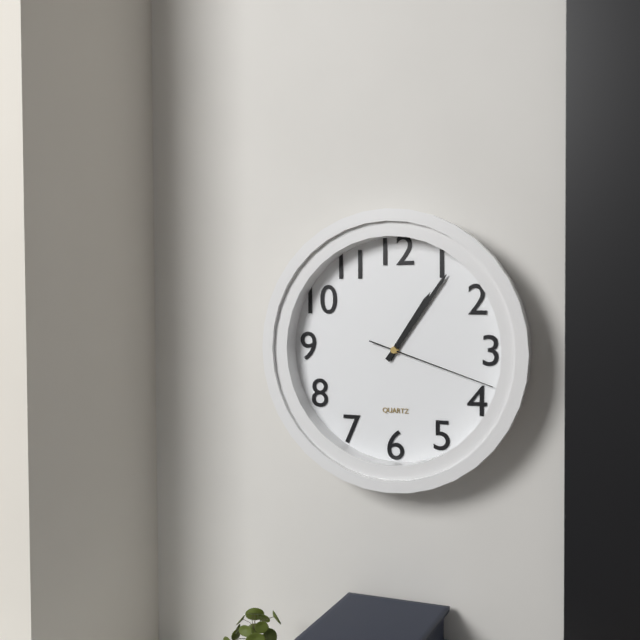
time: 1:06:18
